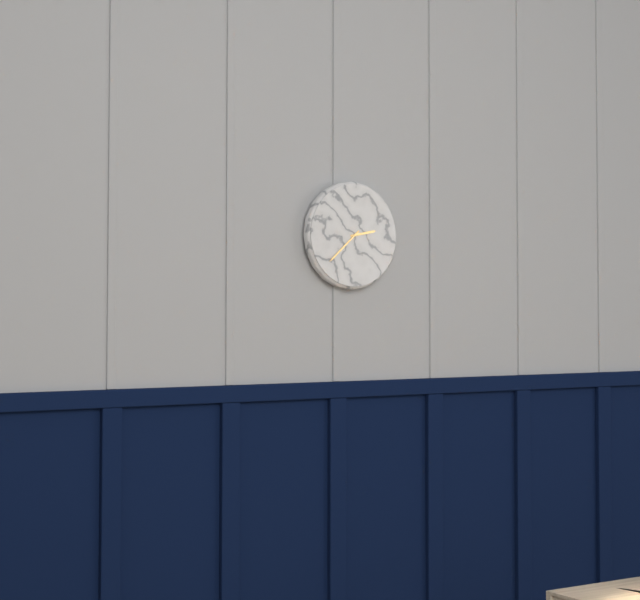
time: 2:38
